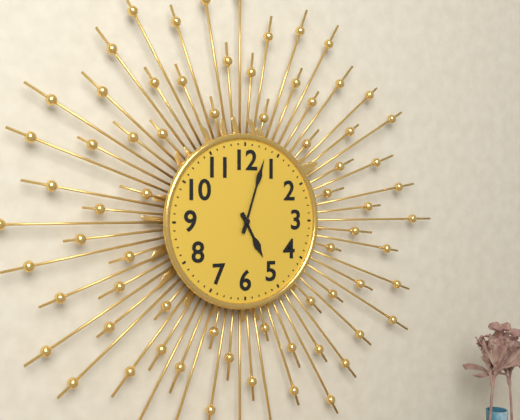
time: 5:03
